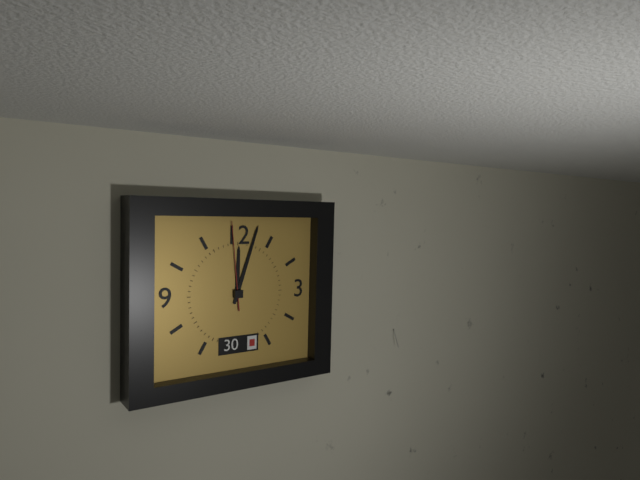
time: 12:03:59
